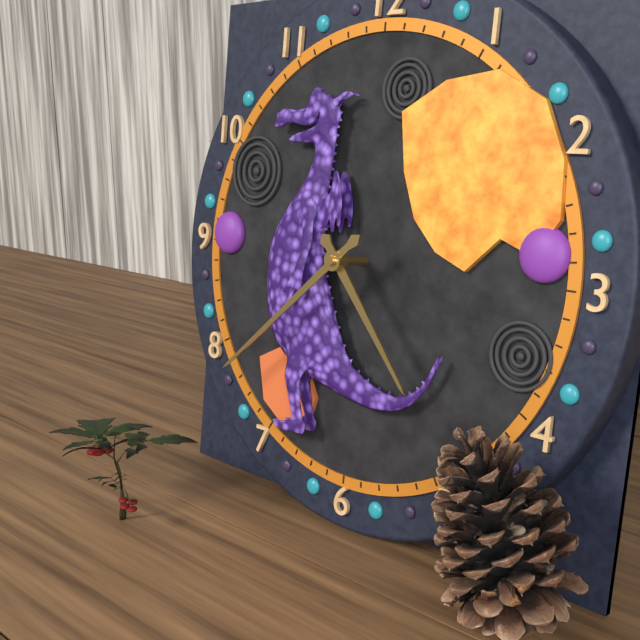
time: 4:38
